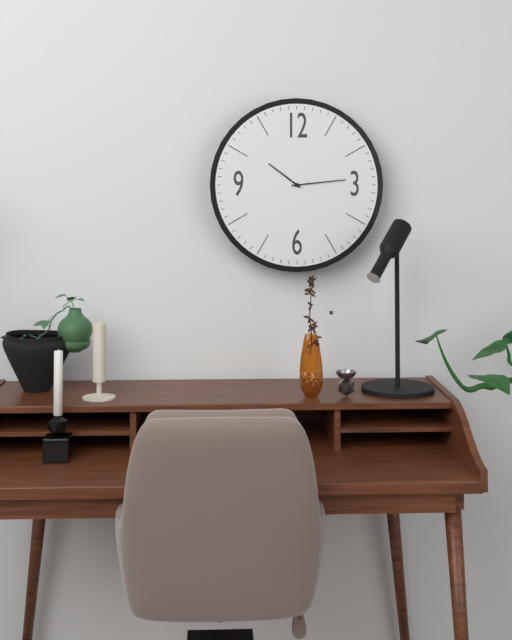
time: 10:14
